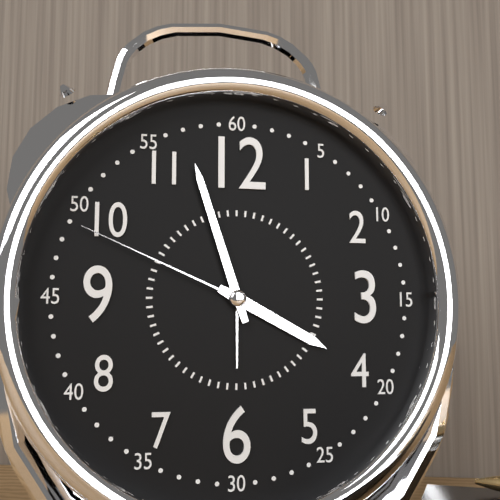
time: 3:57:49
